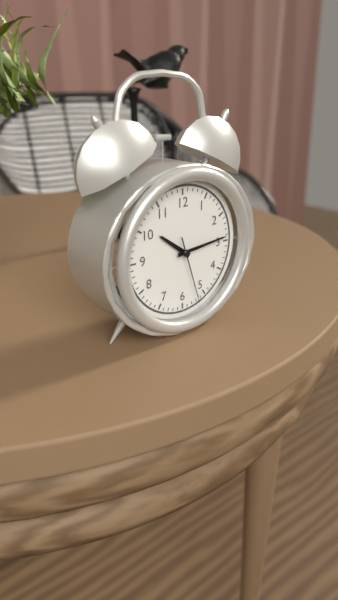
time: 10:14:27
